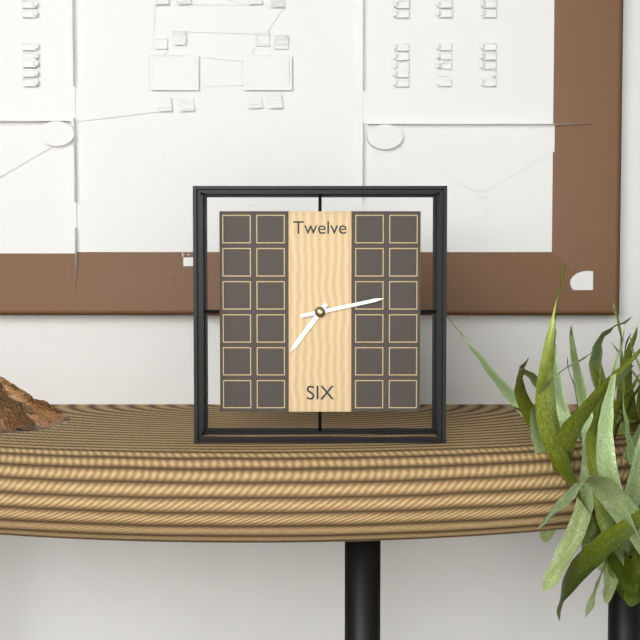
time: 7:13
